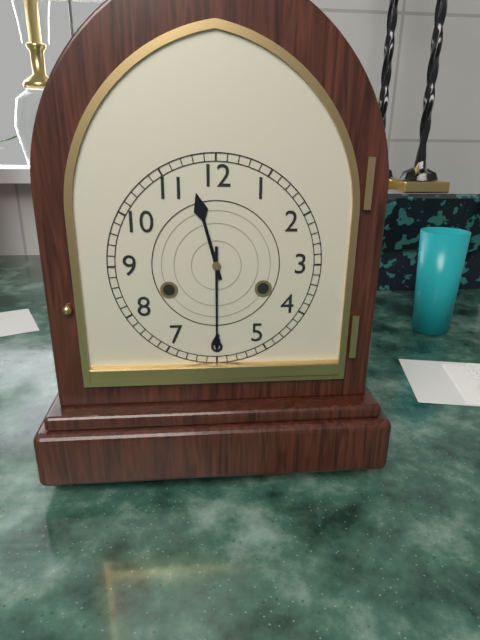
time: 11:30
